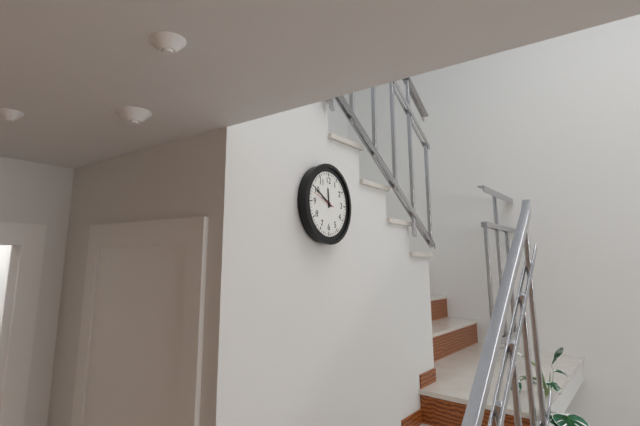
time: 11:50
